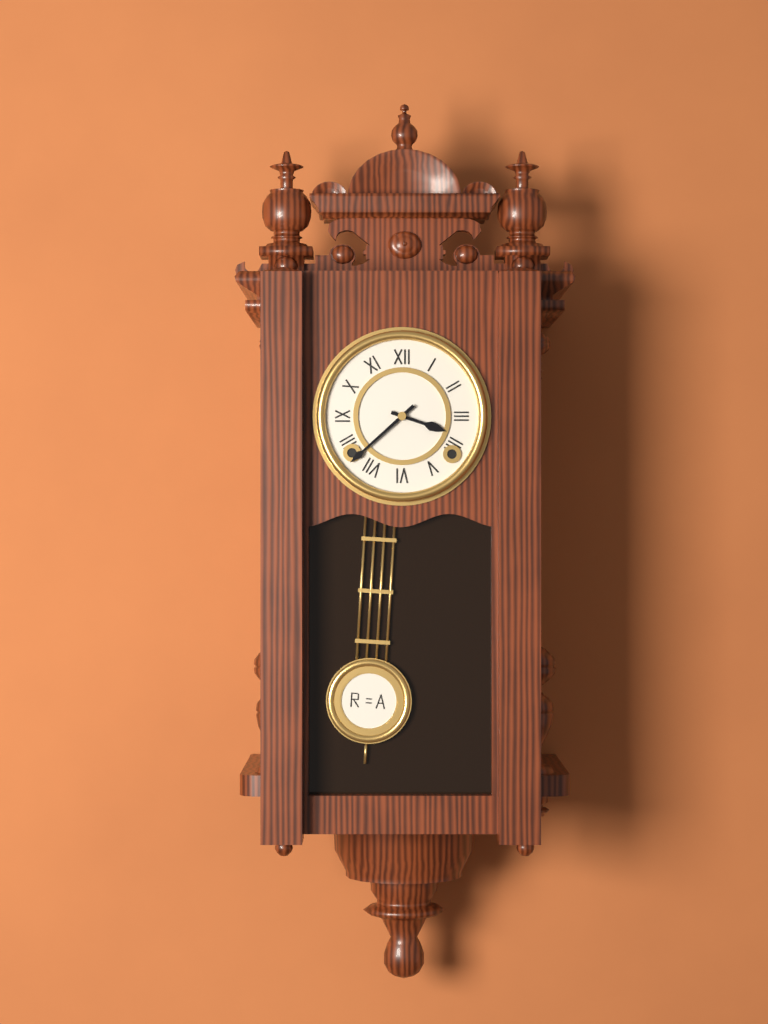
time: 3:38
